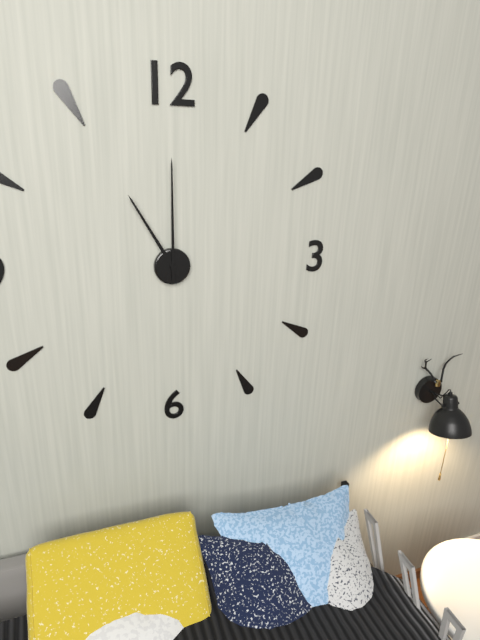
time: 11:00
